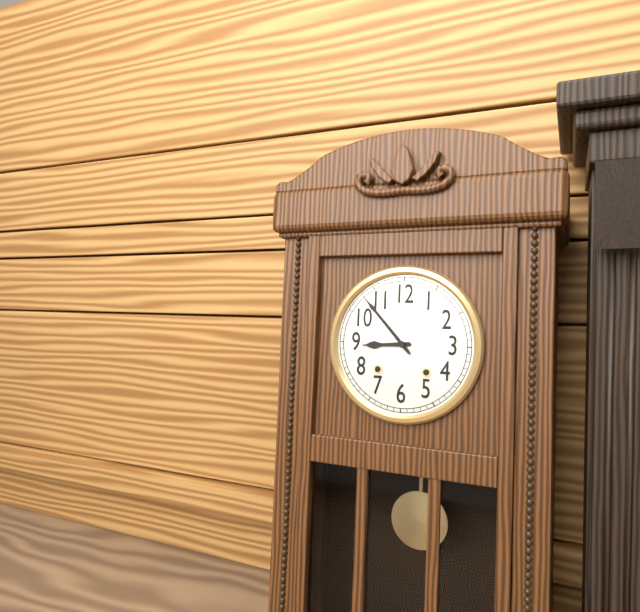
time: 8:53
